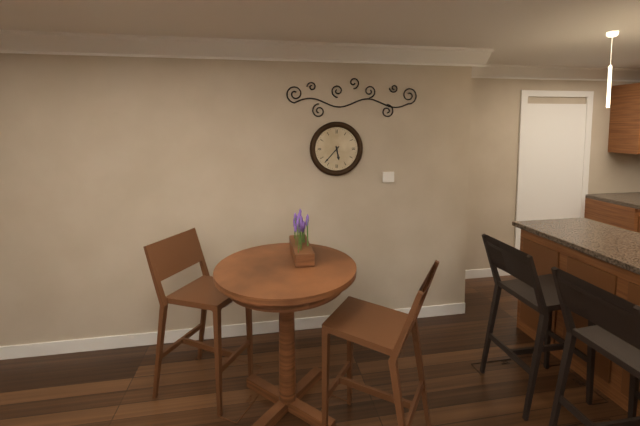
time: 5:37
